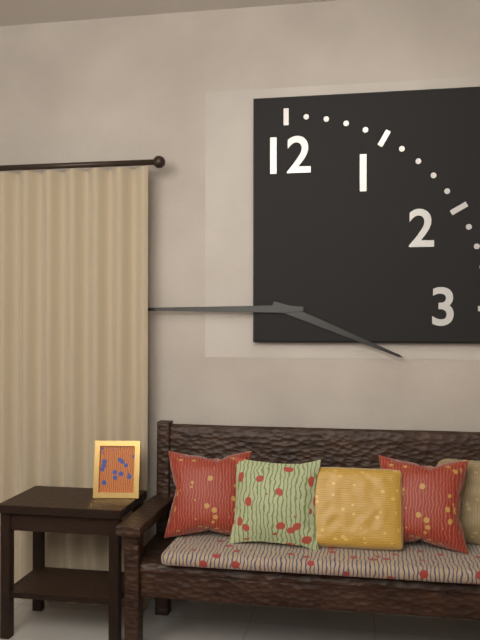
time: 3:45
